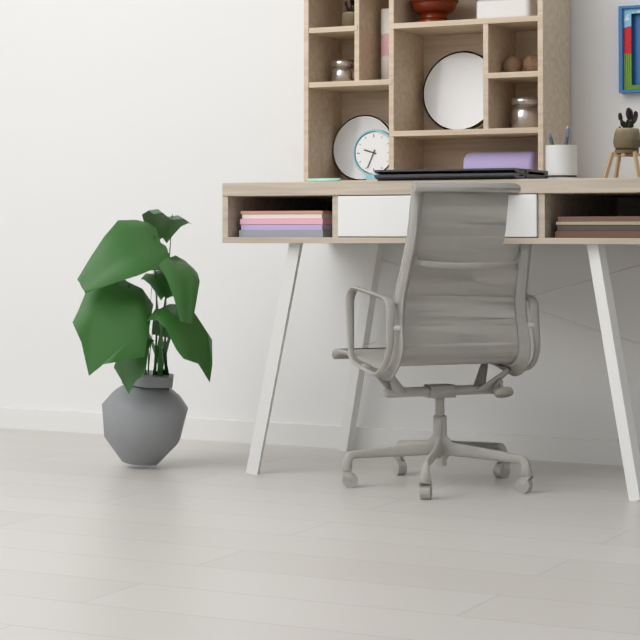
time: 9:34
